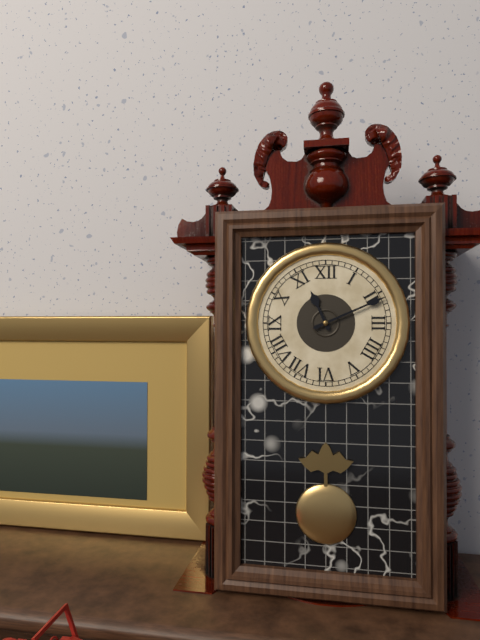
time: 11:11
